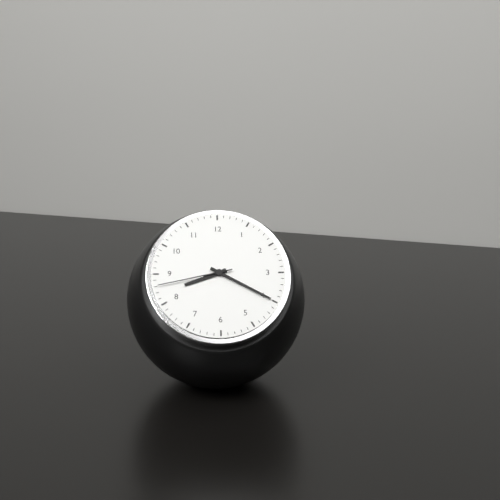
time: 8:20:43
